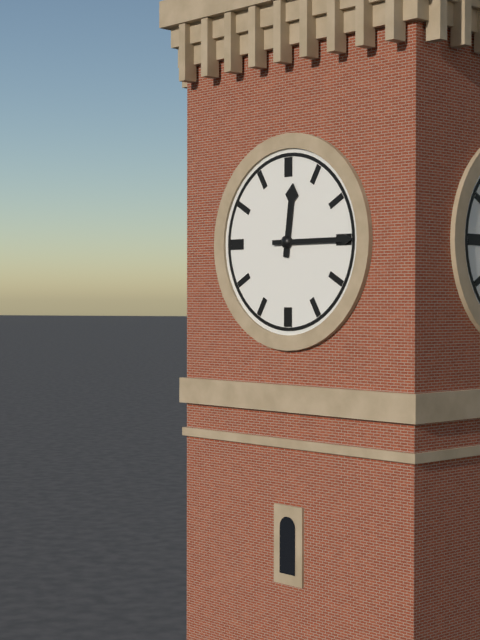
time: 12:15
